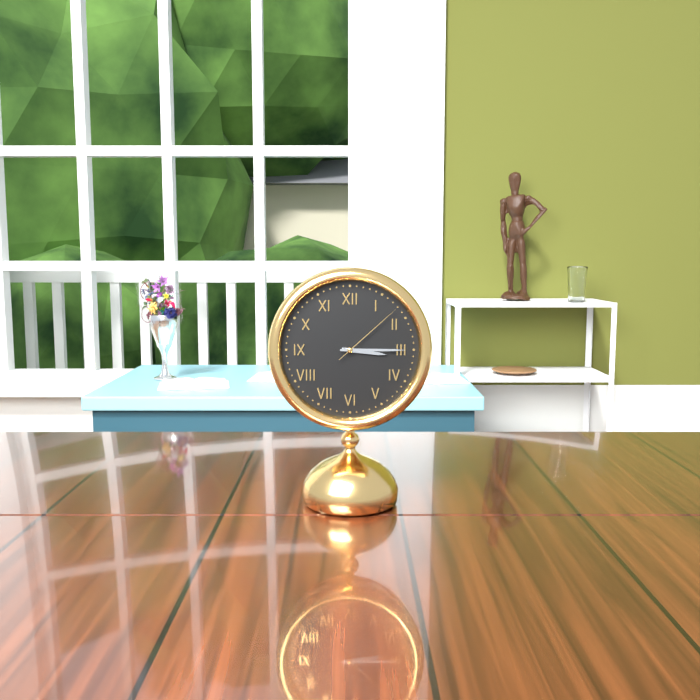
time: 3:15:08
